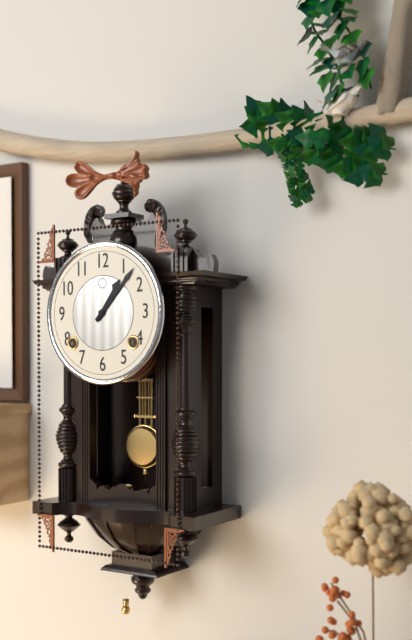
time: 1:07
